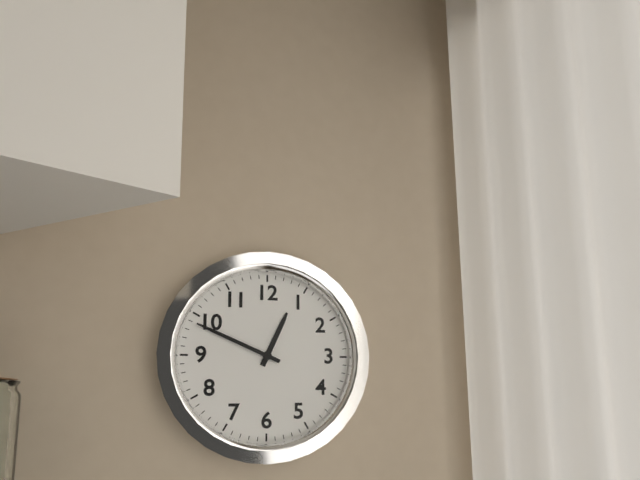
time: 12:49
